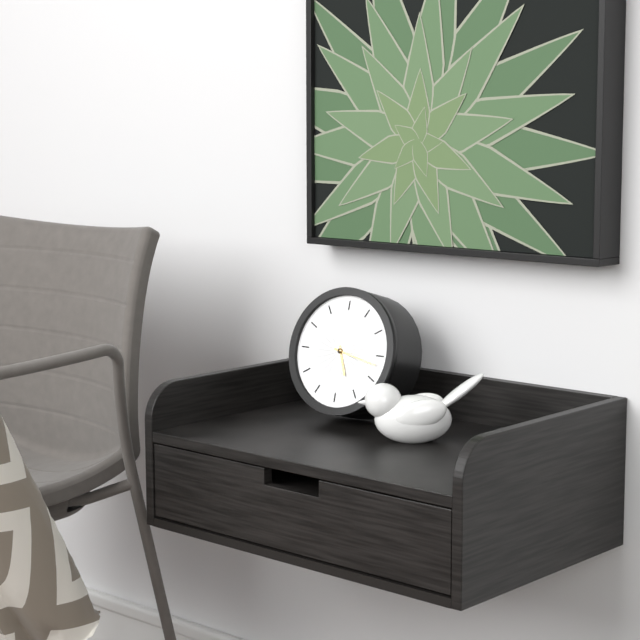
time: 5:17
